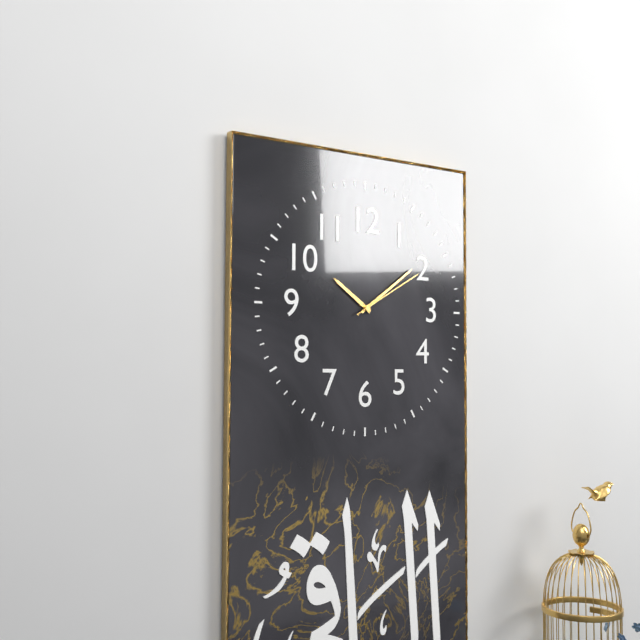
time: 10:09:10
